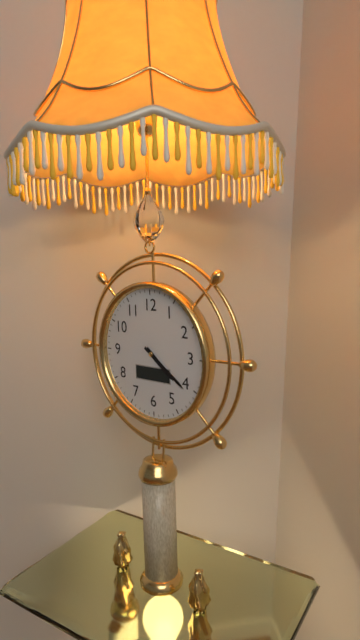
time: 4:21
